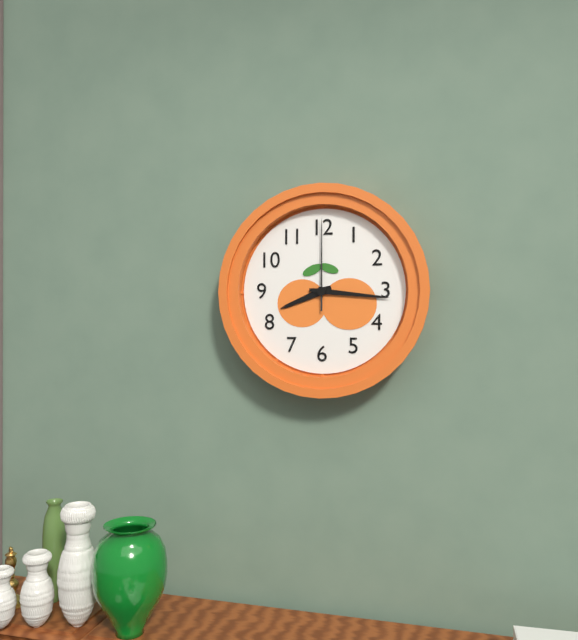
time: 8:16:00
